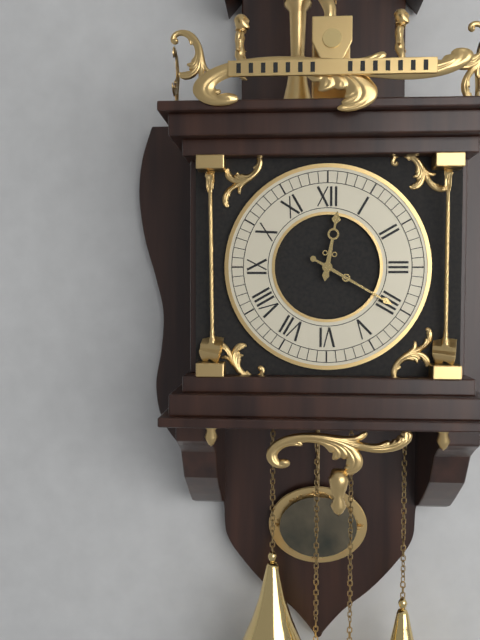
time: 12:20
